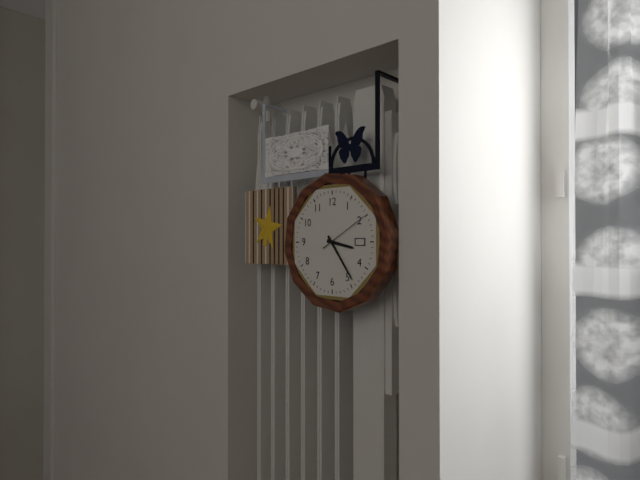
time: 3:24
